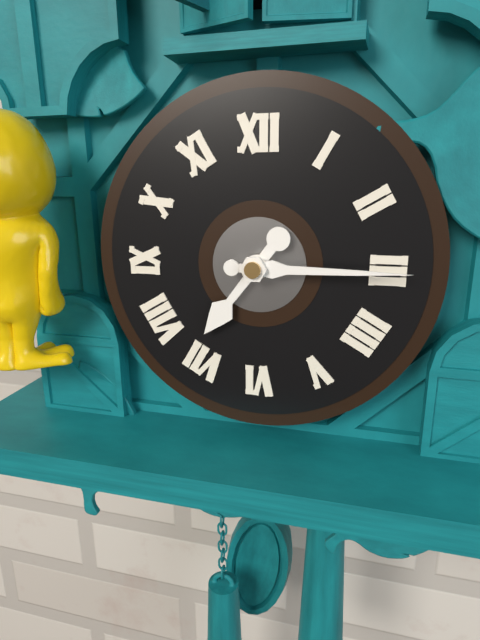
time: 7:15
